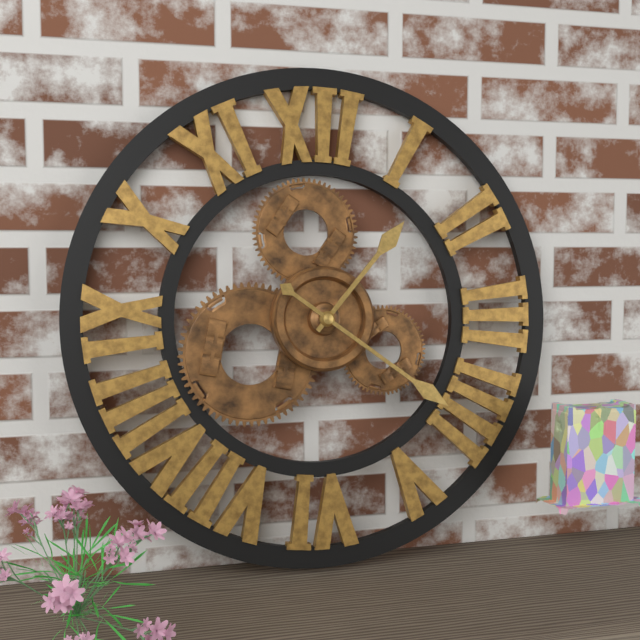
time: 1:21
